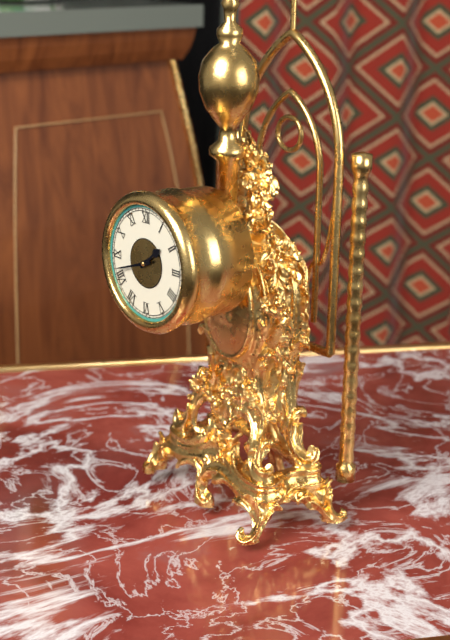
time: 1:42
